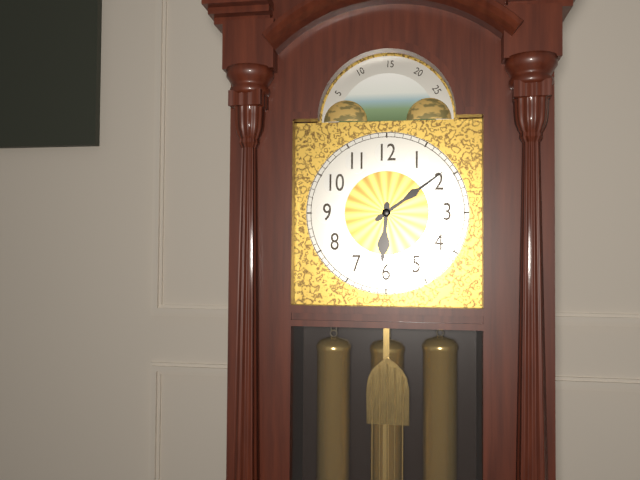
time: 6:09
